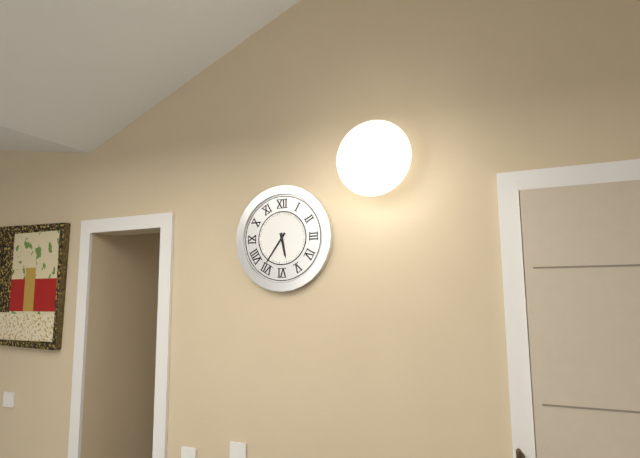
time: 5:36
